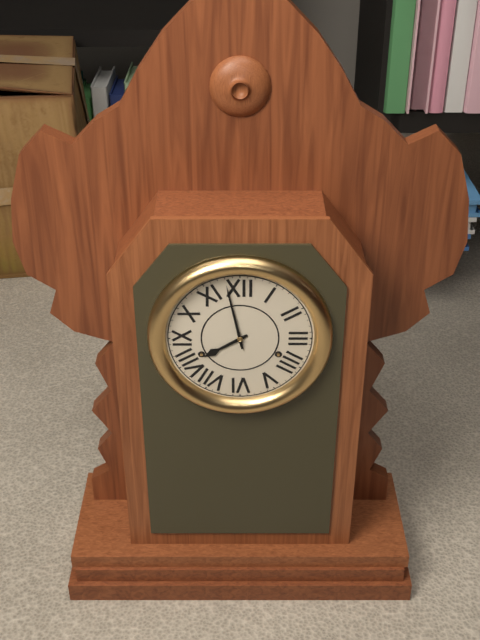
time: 7:58
